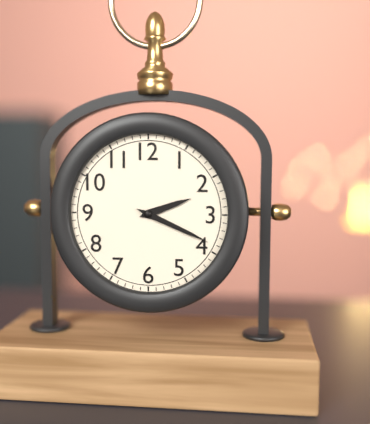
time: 2:19
